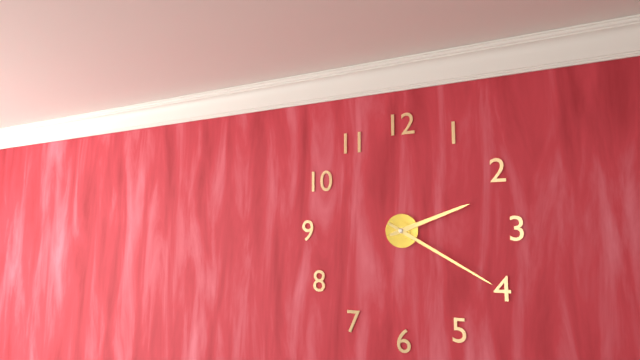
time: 2:20
